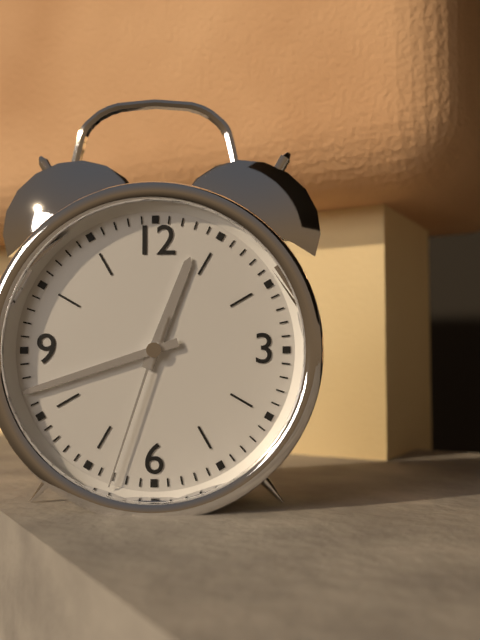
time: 12:42:33
